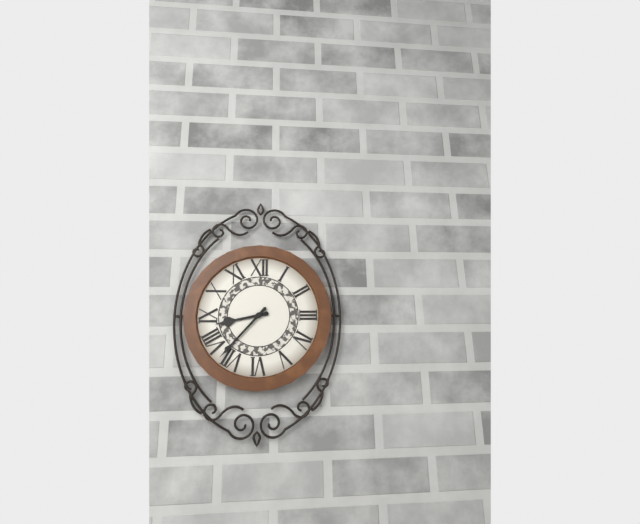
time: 8:37
